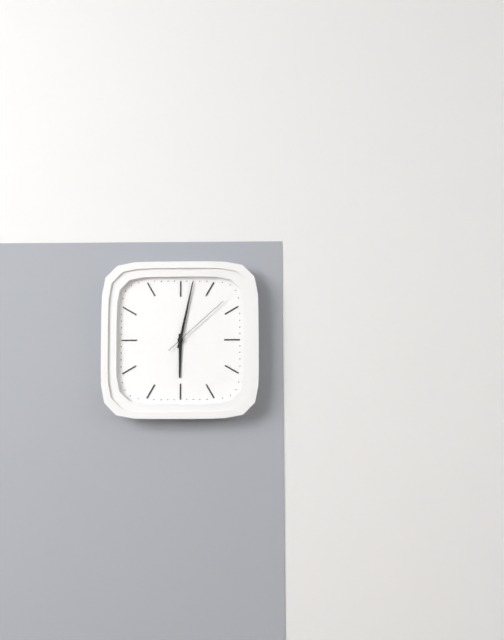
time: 6:02:08
